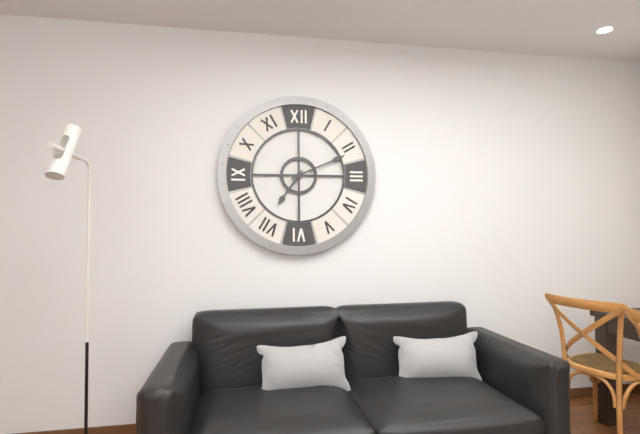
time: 7:11
